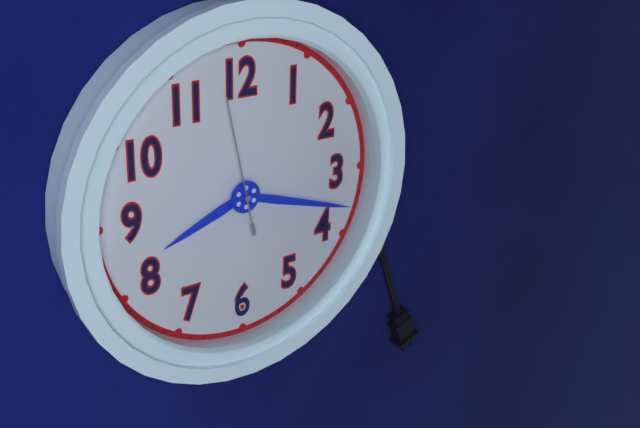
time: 8:18:58
